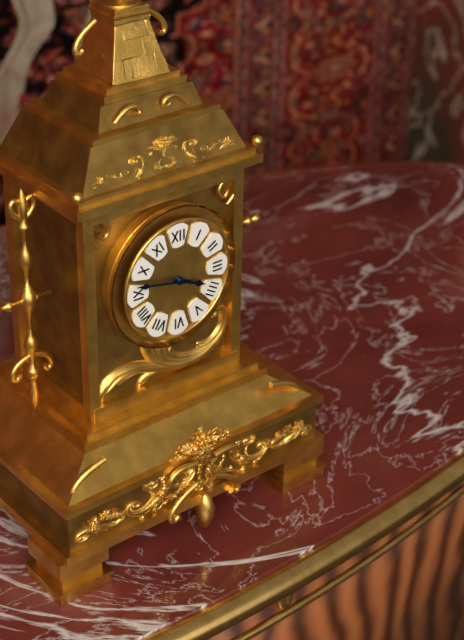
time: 3:47
